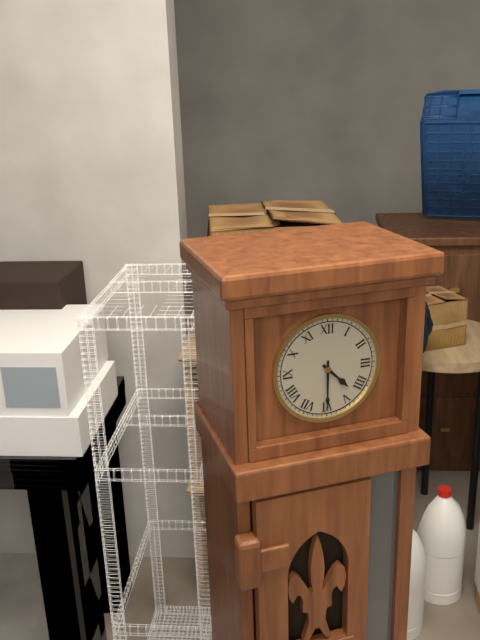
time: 4:30
